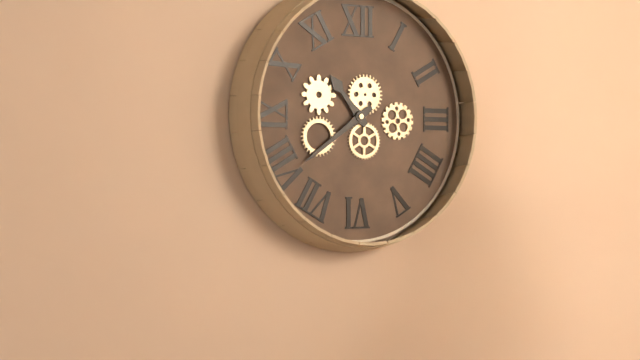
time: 10:39
